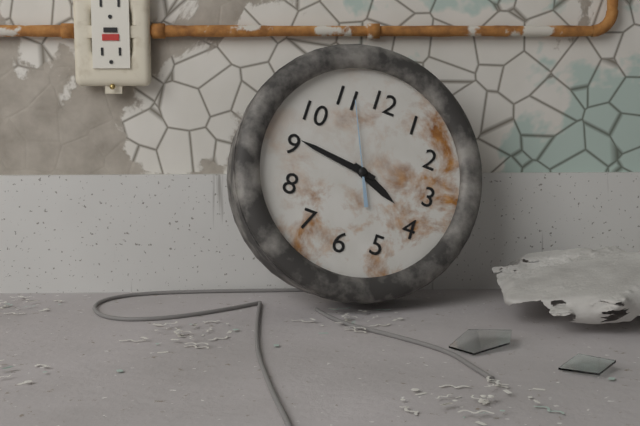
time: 3:46:56
